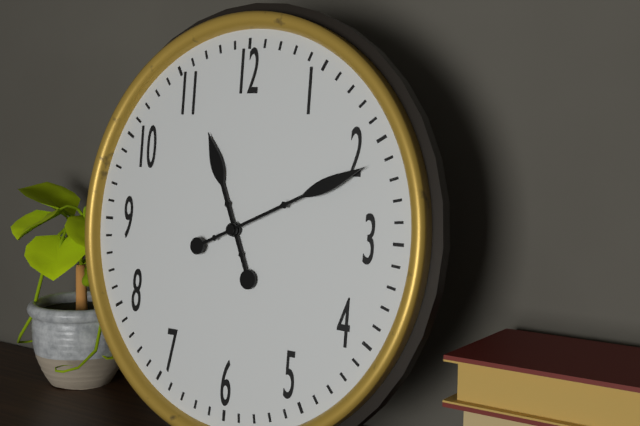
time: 11:11
